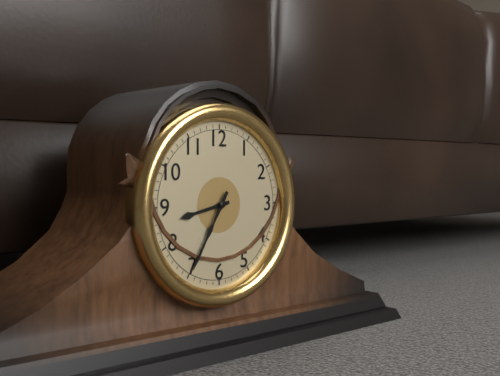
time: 8:35
